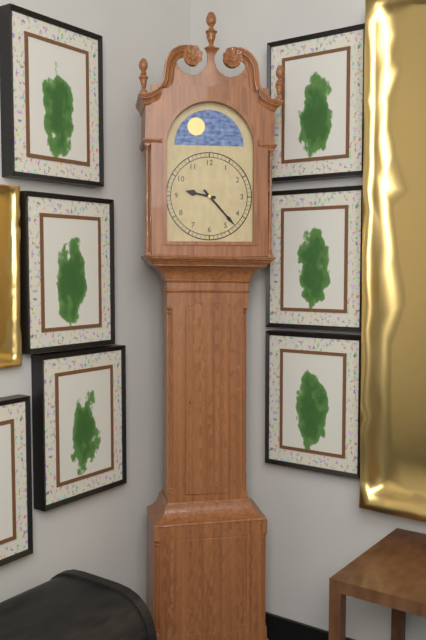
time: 9:23
